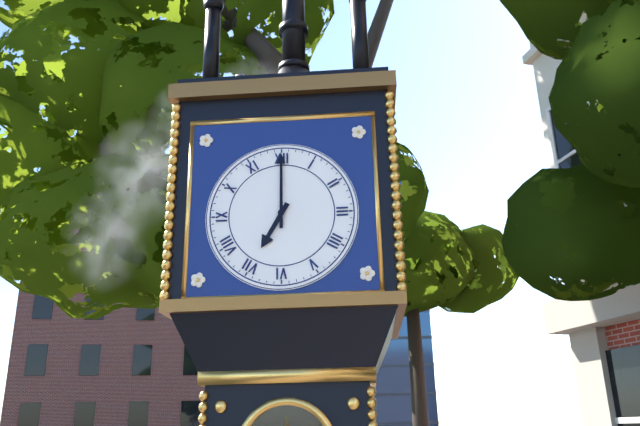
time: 7:00
